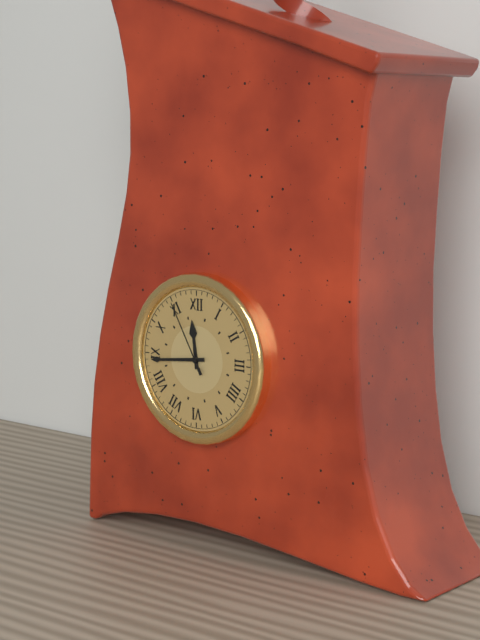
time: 11:44:55
